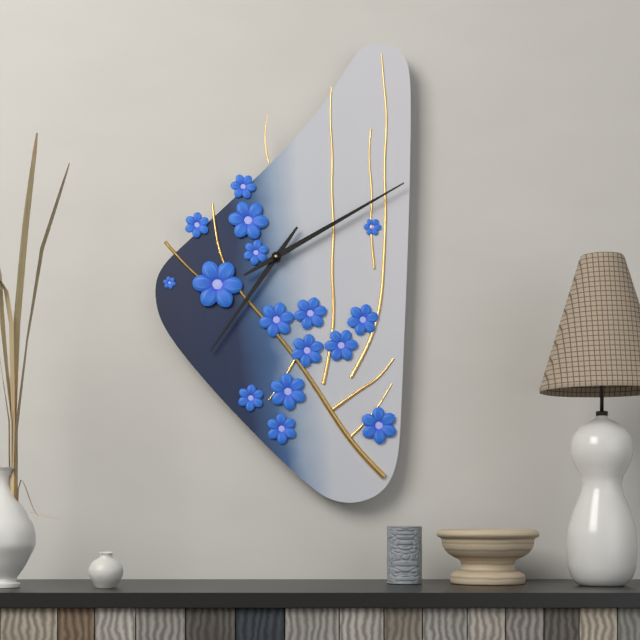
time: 7:10
